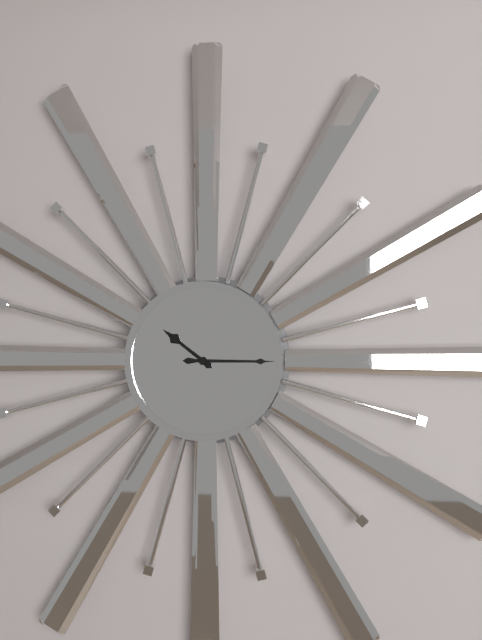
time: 10:15
